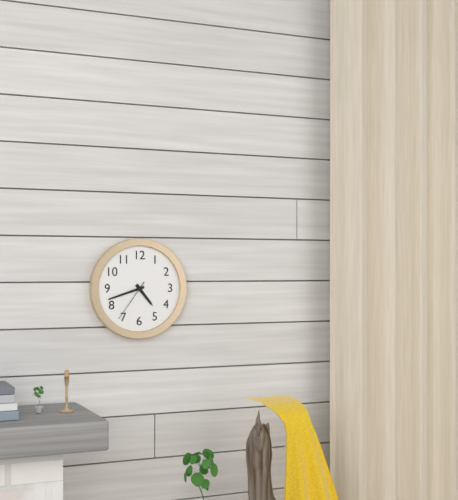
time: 4:42
